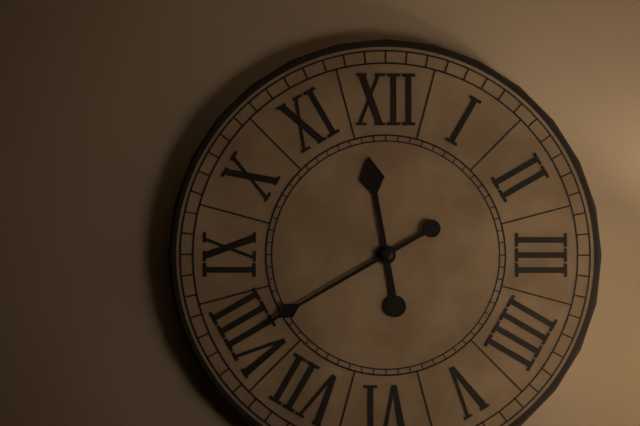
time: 11:40
